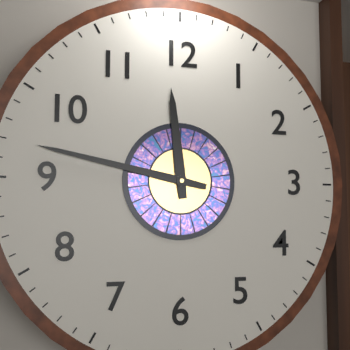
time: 11:47
